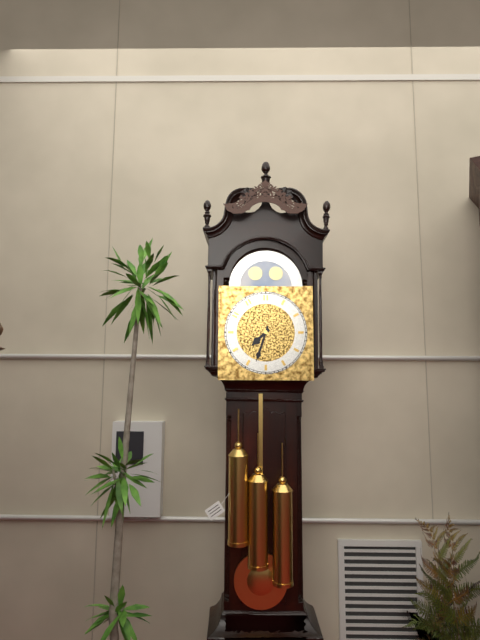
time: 7:33
